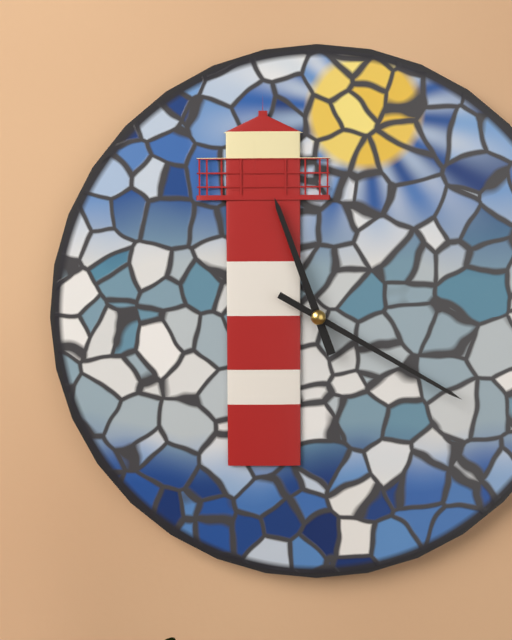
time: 11:20
